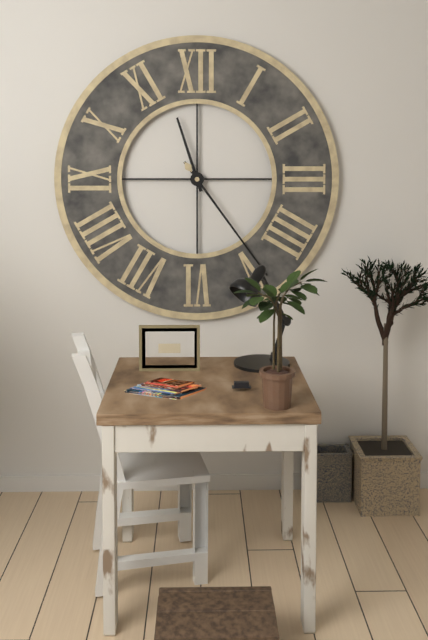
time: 11:24
